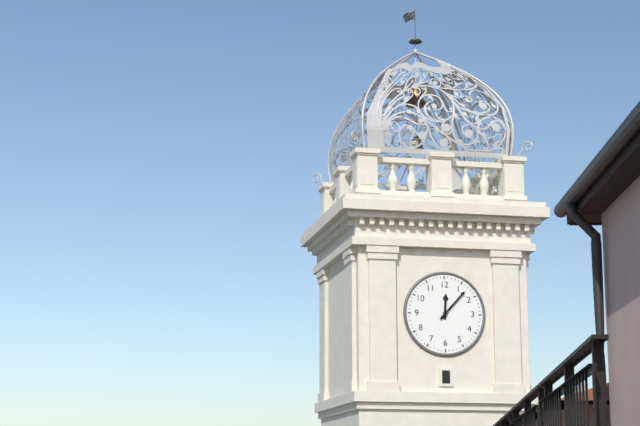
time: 12:07
